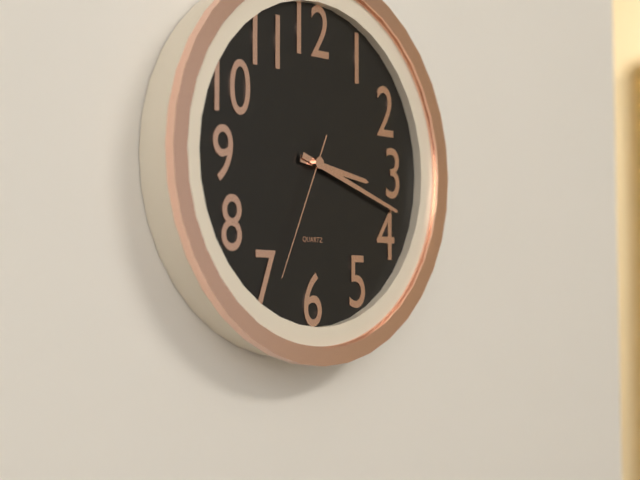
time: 3:18:34
